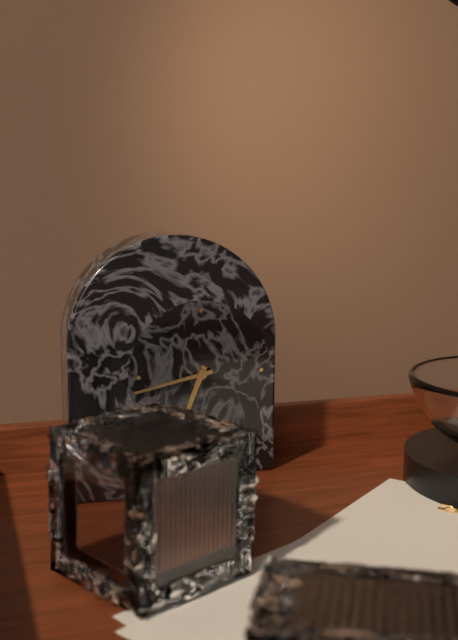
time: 6:43
